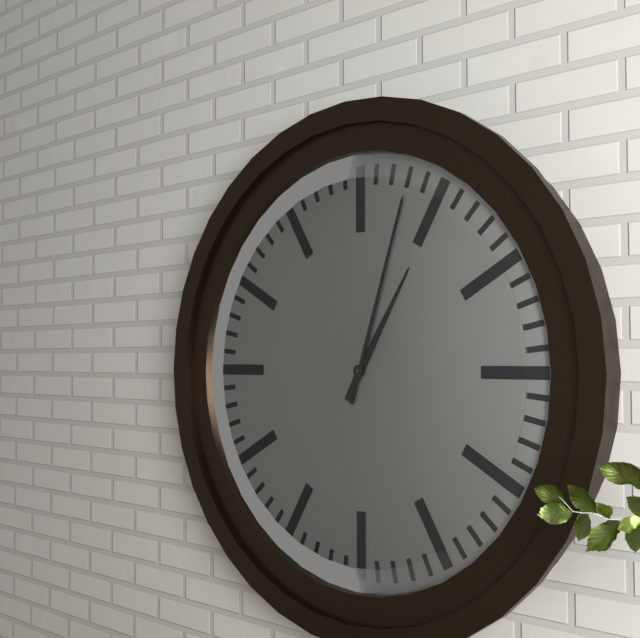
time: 1:03
